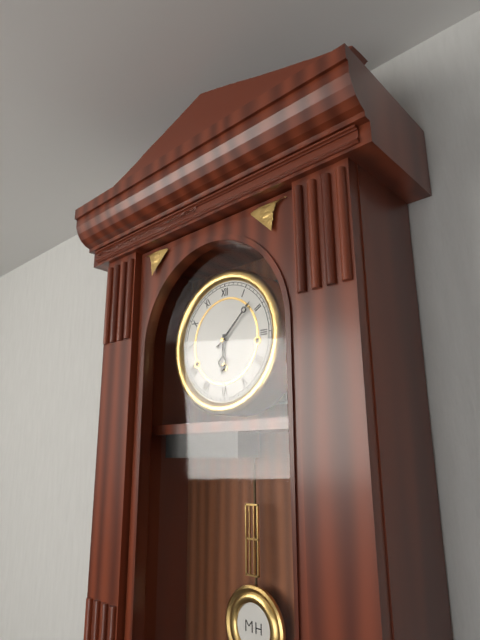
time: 6:08
